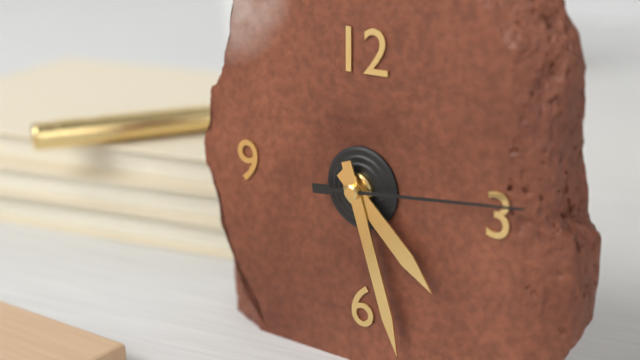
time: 4:27:14
